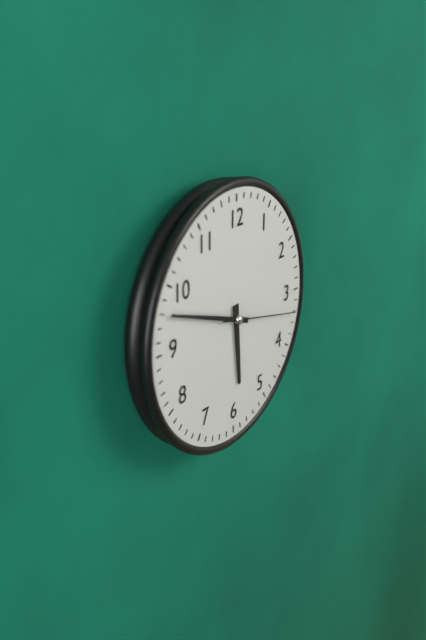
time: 5:48:17
